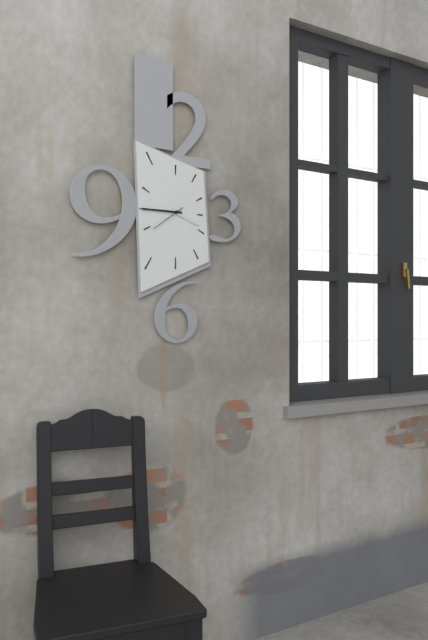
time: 3:45
